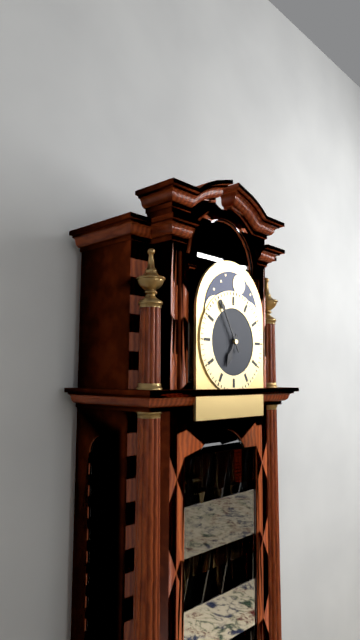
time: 6:55
